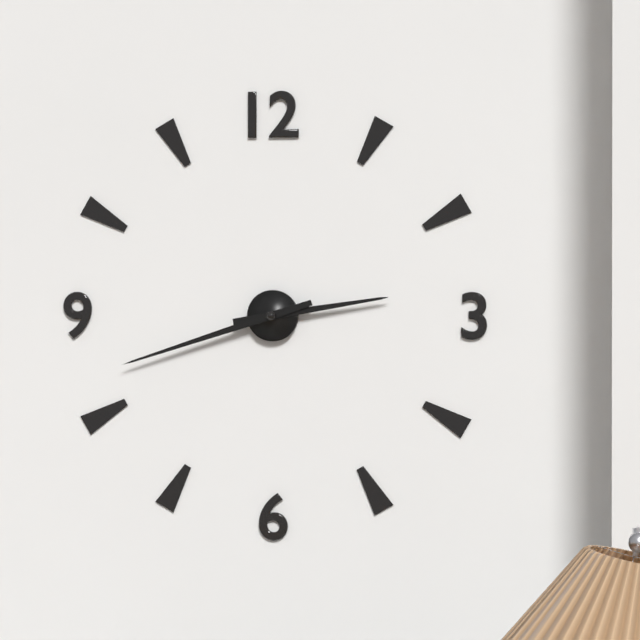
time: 2:42
